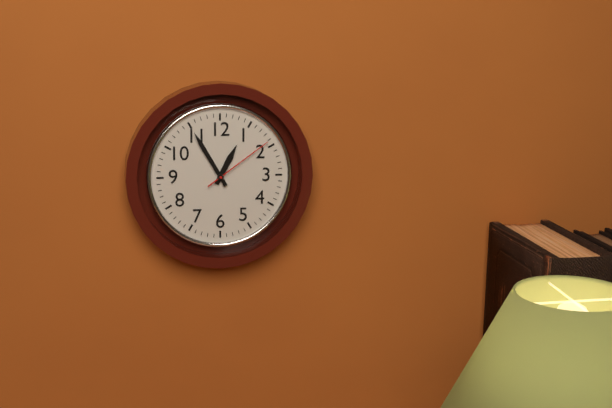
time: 12:55:09
